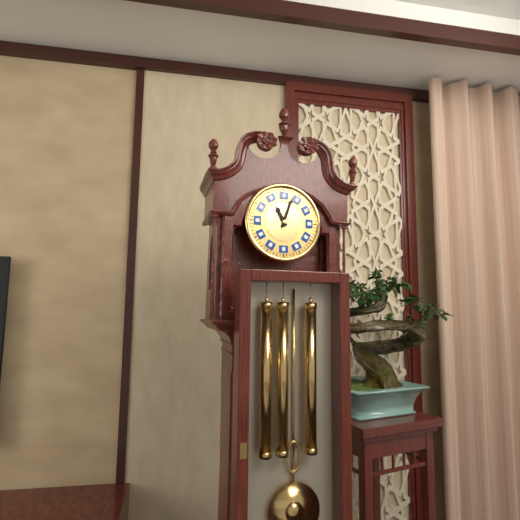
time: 11:03
